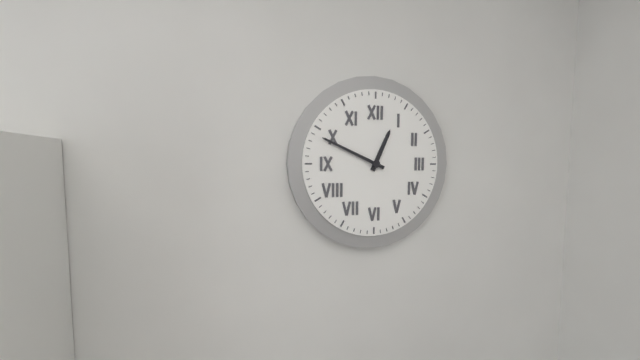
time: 12:49
